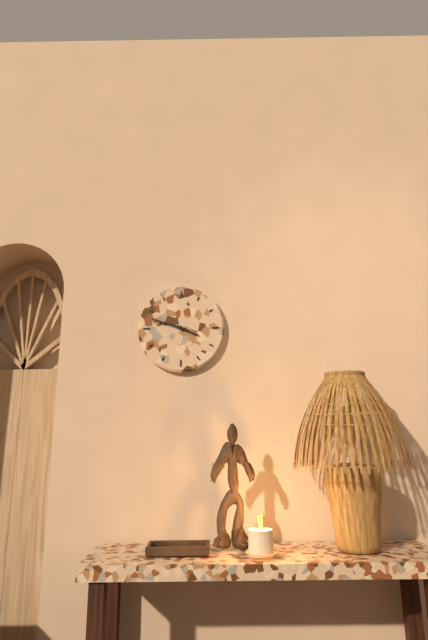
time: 3:48
